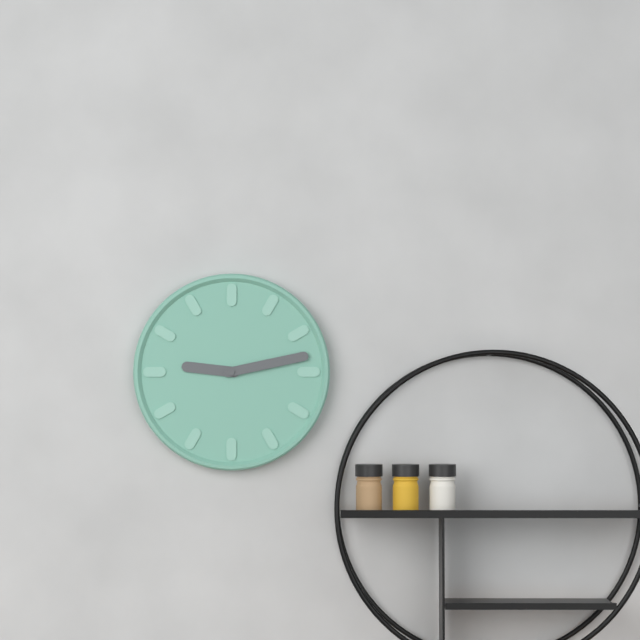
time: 9:13
